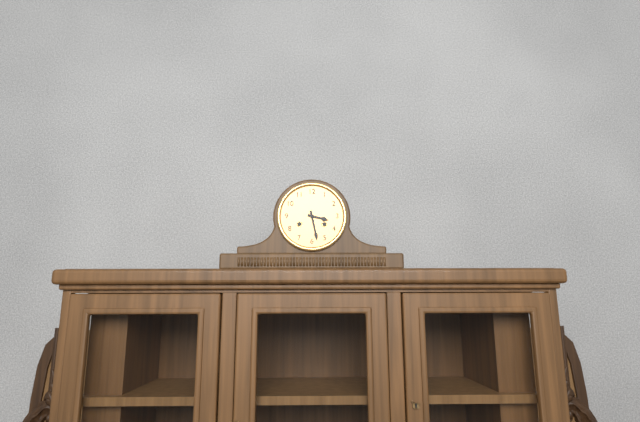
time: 3:28
